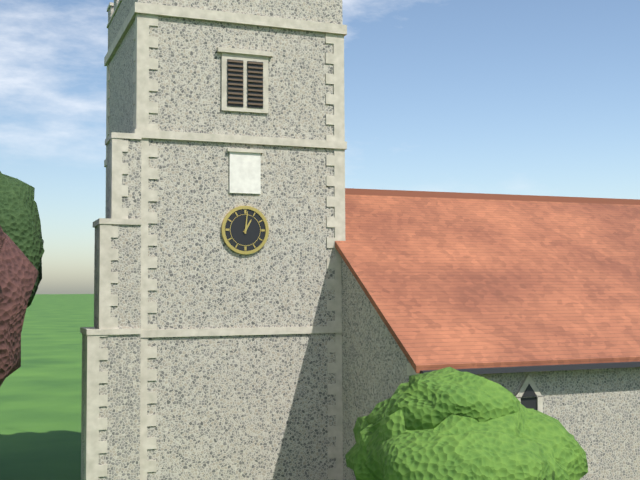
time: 1:01
